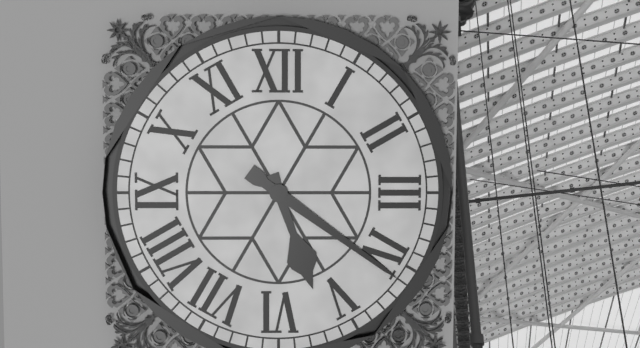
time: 5:21
